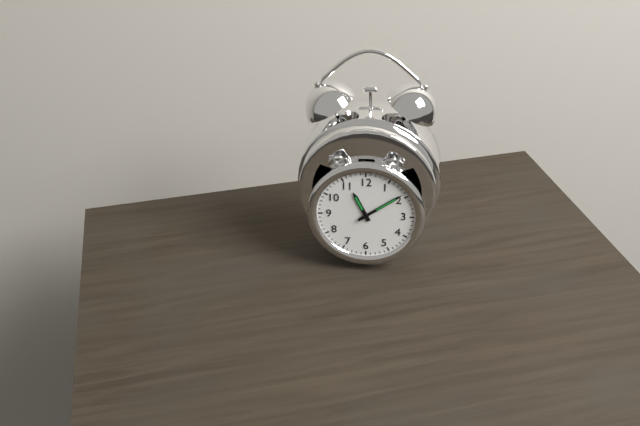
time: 11:09
